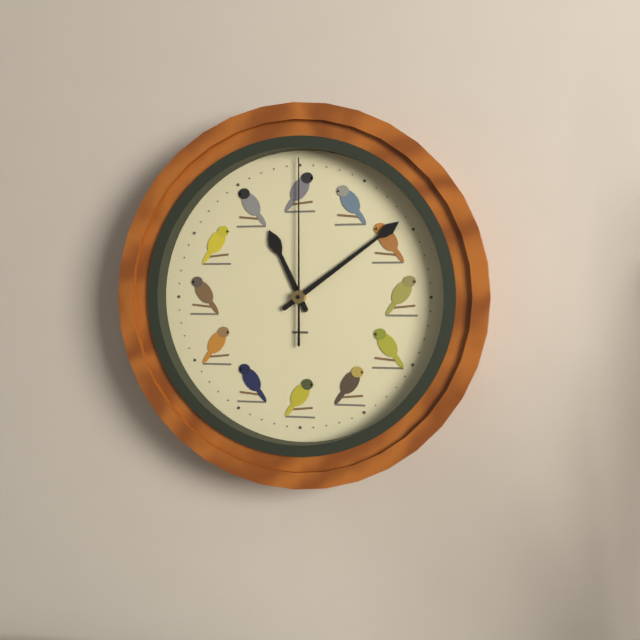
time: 11:09:00
